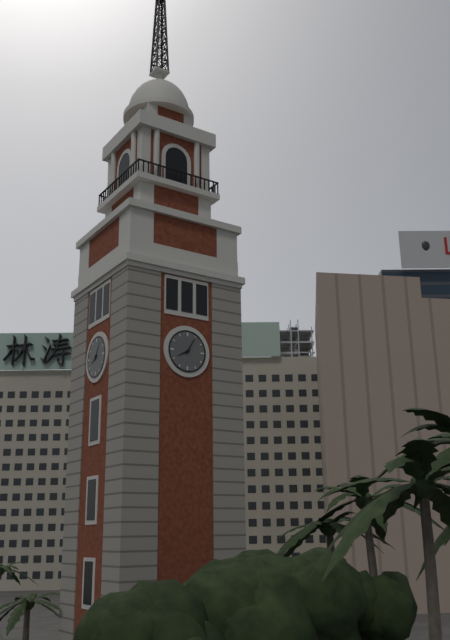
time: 8:05
